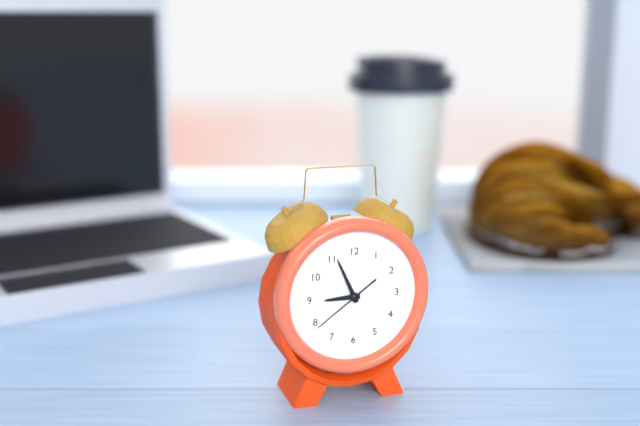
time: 8:56:39
